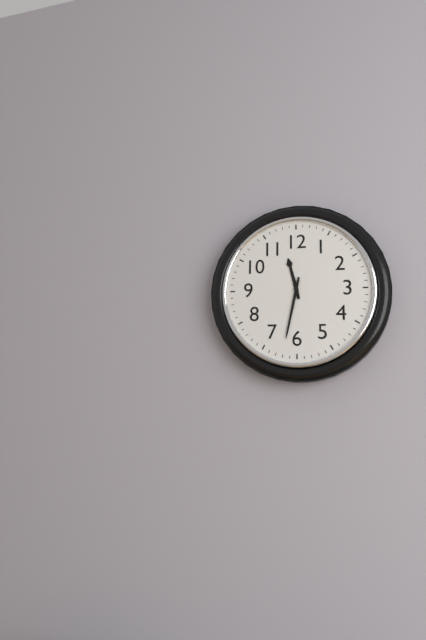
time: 11:32
